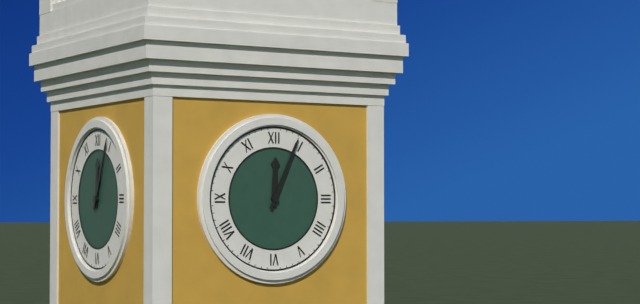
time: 12:04
